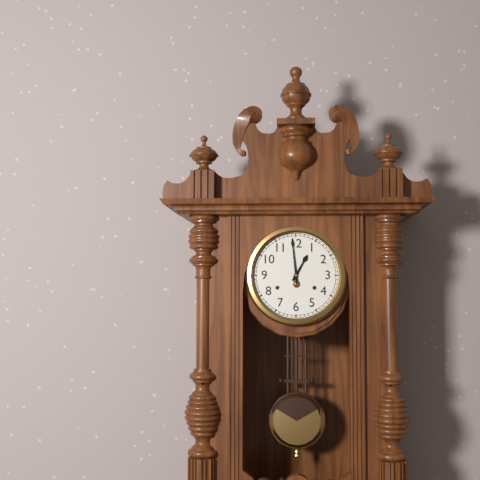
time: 12:59
